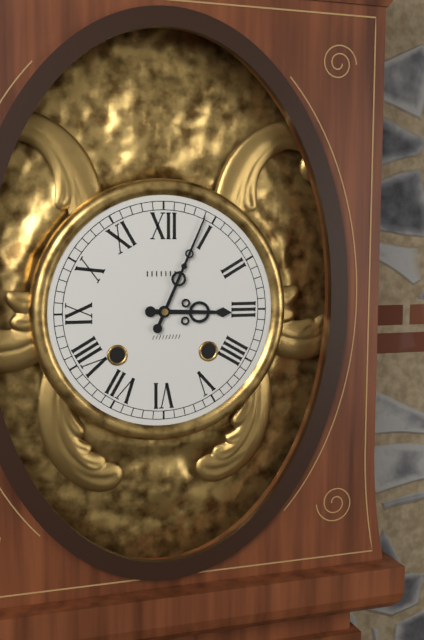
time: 3:04
